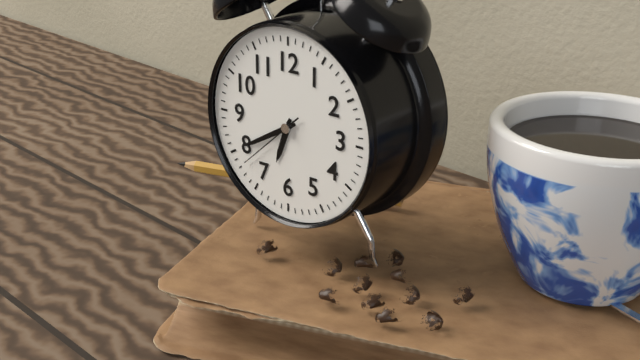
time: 6:40:38
